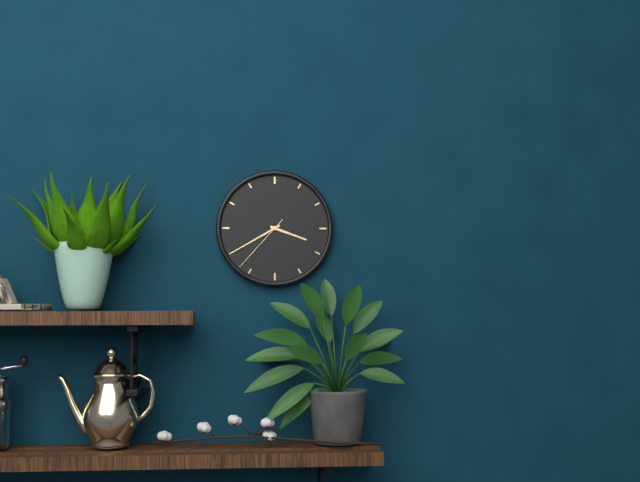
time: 3:40:37
